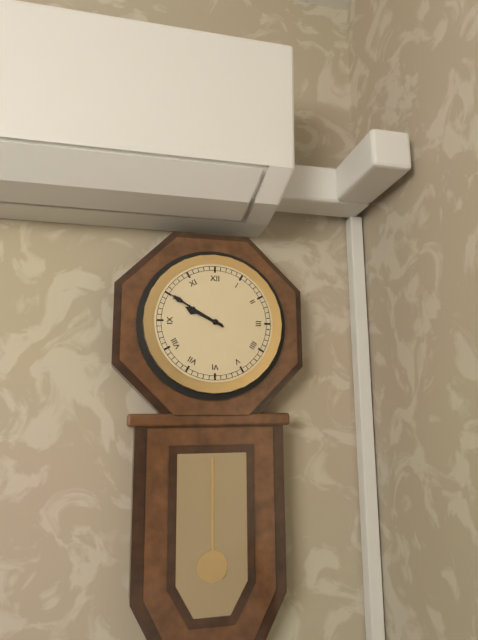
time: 9:50
